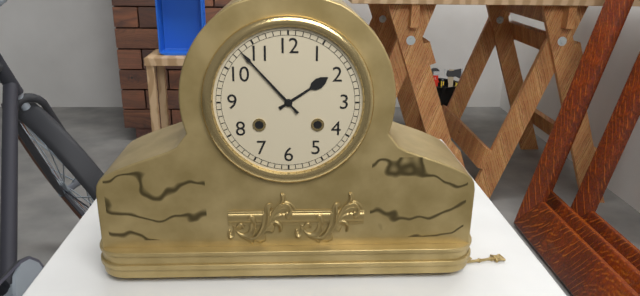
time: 1:53
